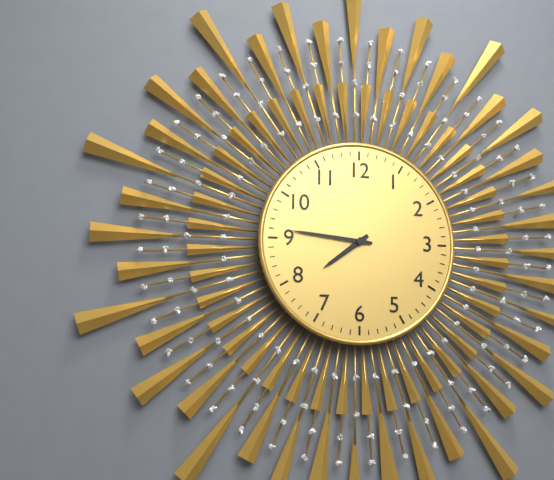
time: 7:46
